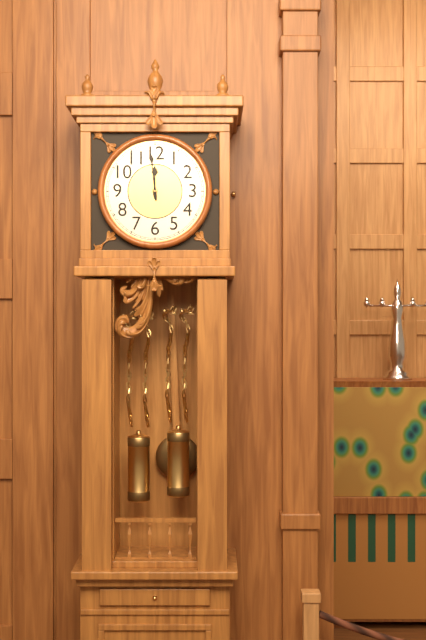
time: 11:59
